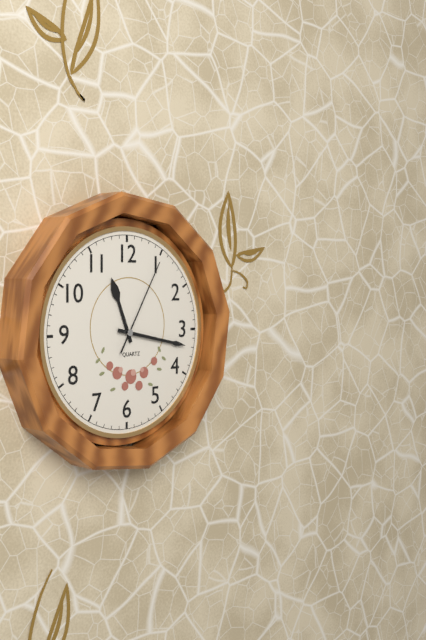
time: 11:17:05
